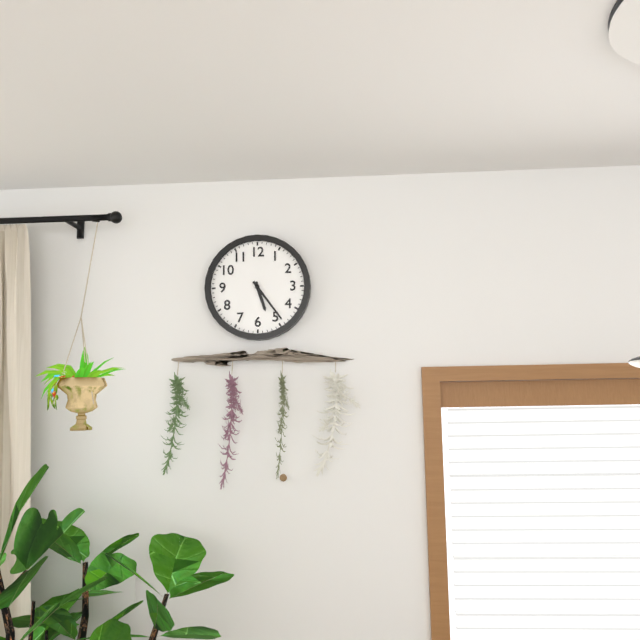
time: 5:24
